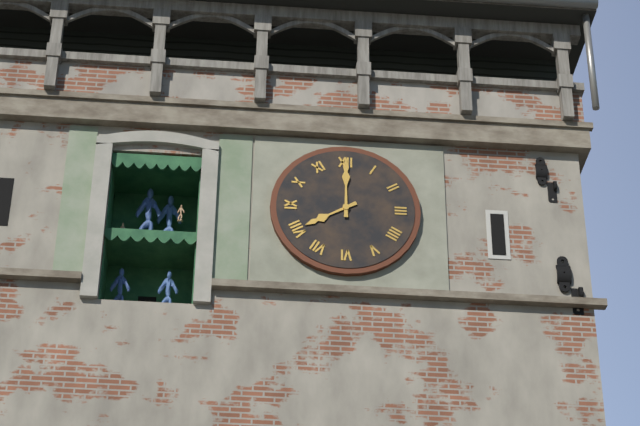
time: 8:00
